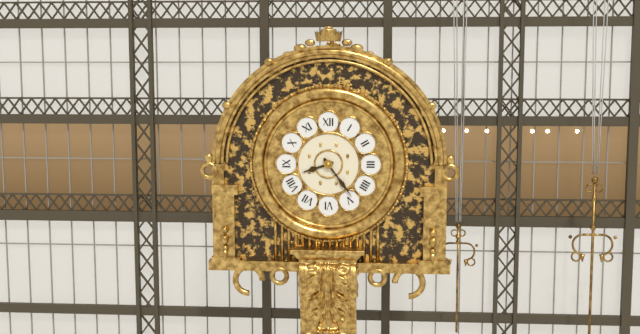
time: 8:24
